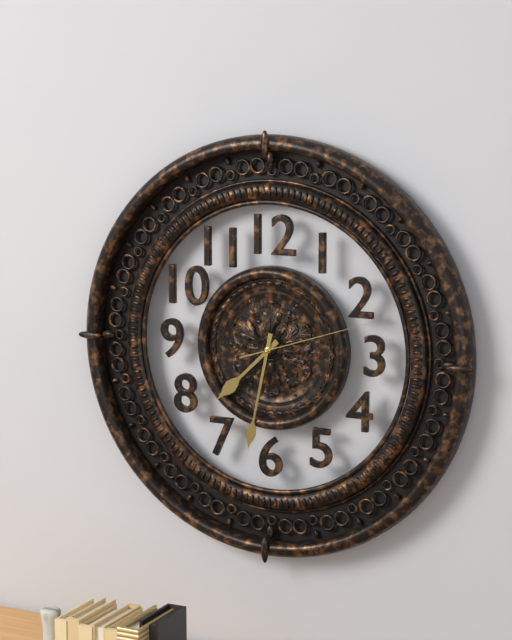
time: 7:32:12
